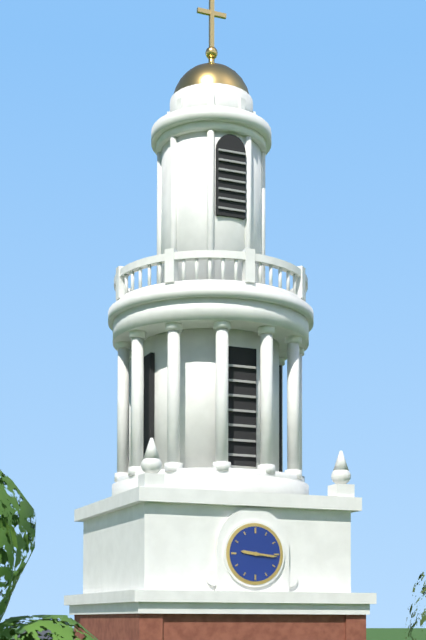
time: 9:16
